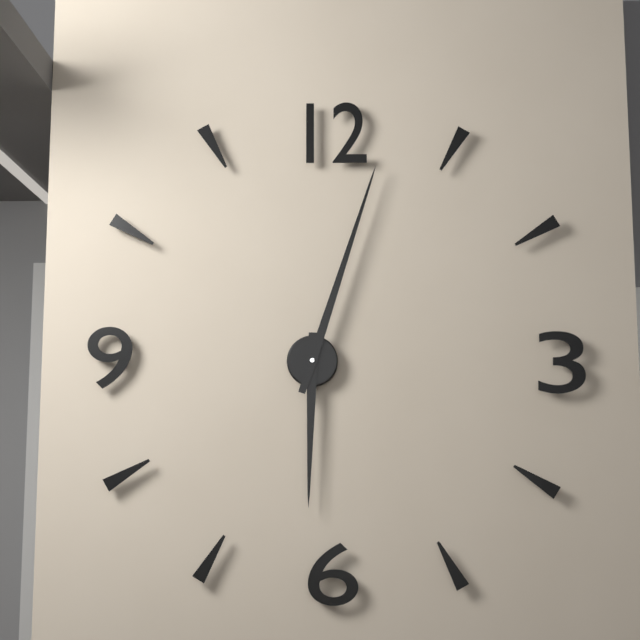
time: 6:03
